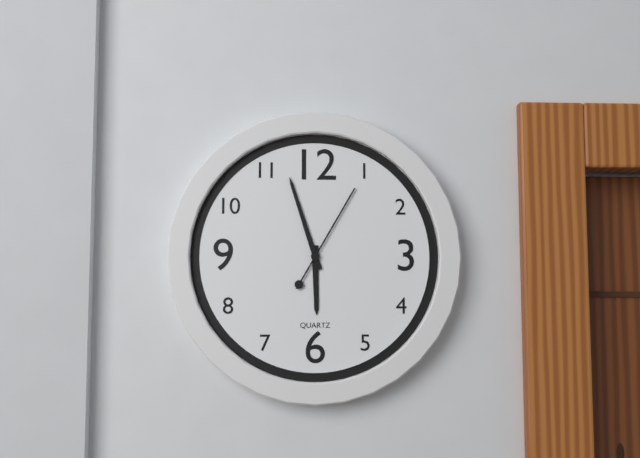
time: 5:57:05
